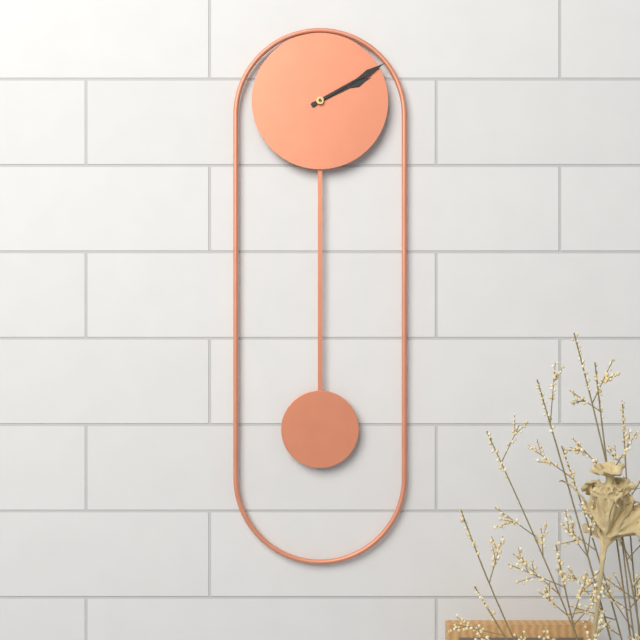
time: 2:10
